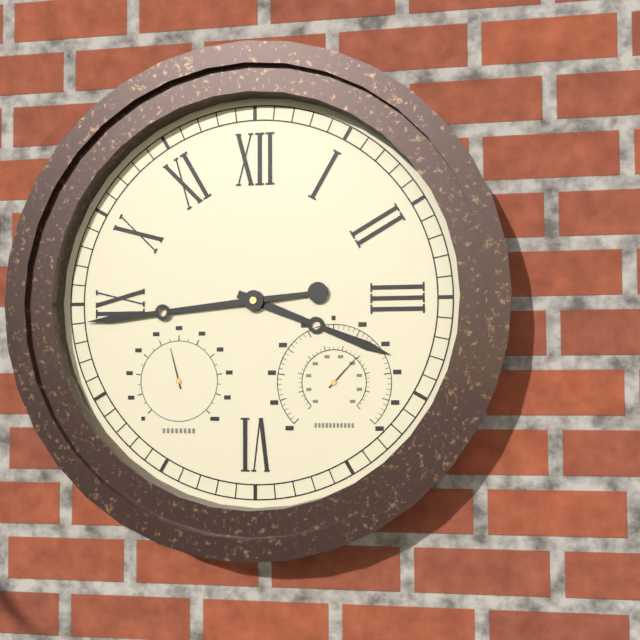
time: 3:44
